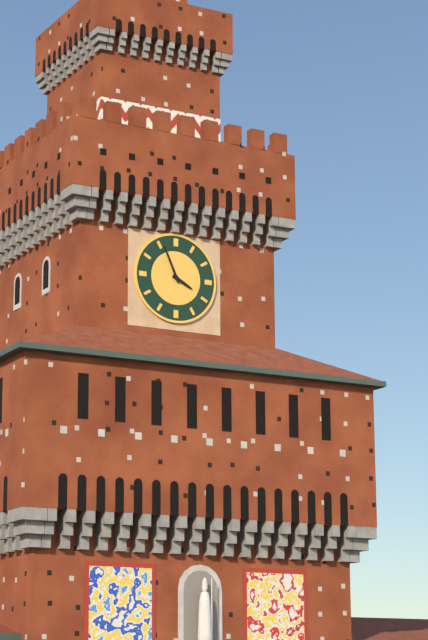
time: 3:56
